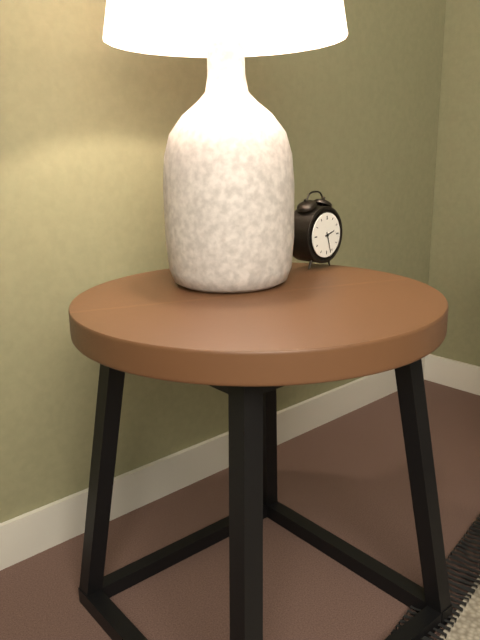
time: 2:27
